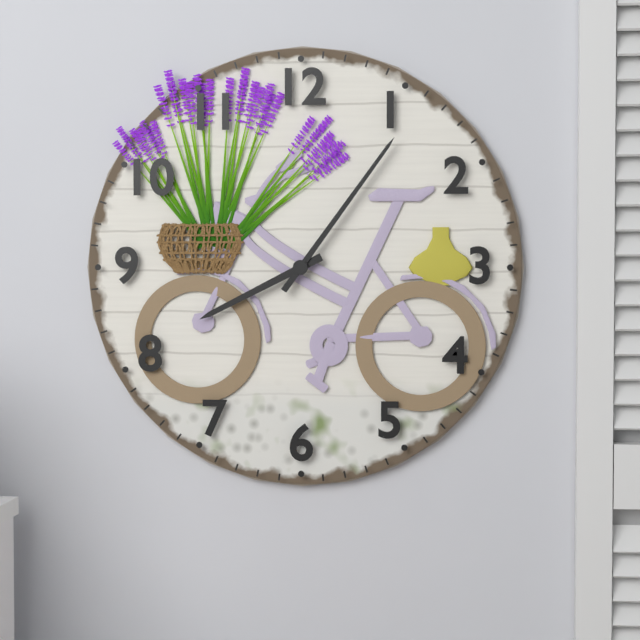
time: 8:06
